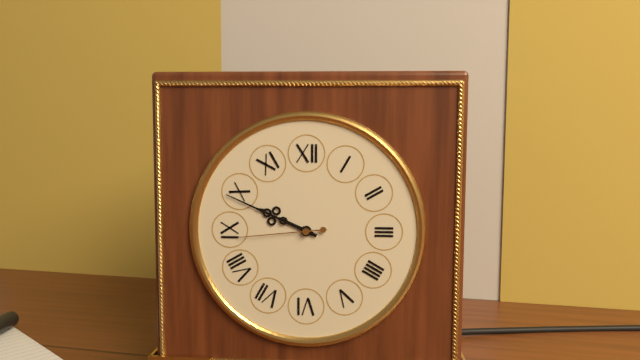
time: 9:49:44
